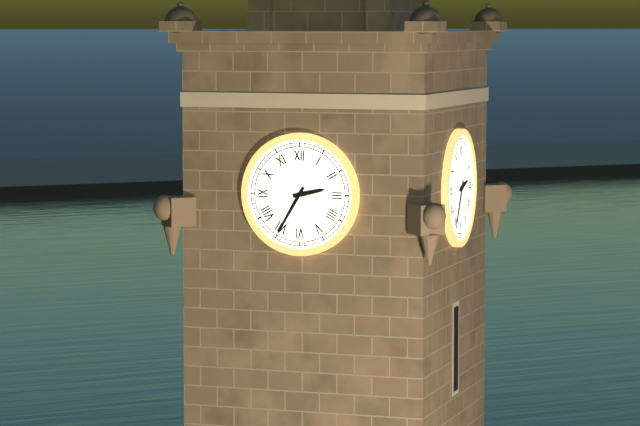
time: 2:35
